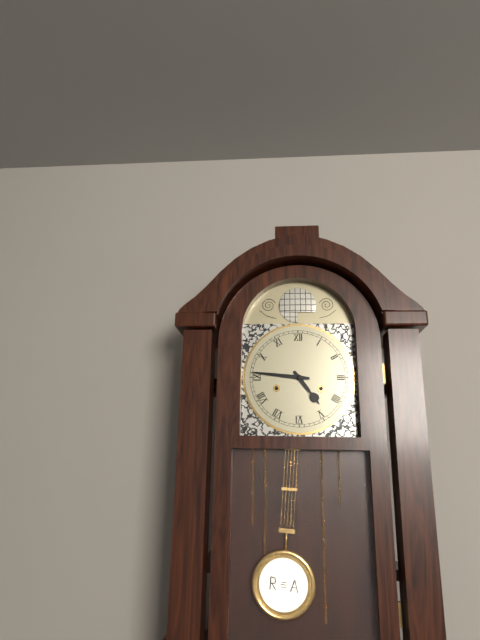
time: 4:46
